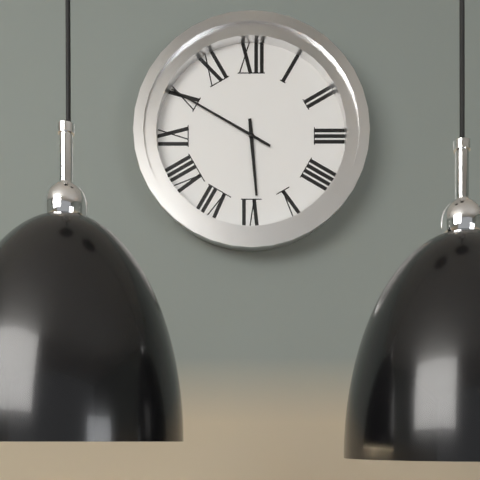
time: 5:50
